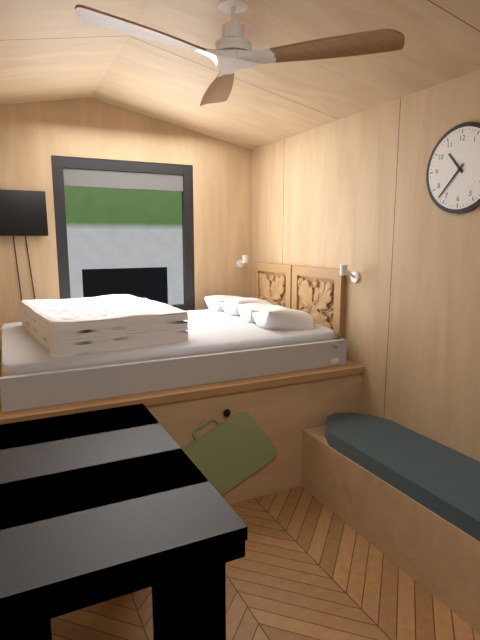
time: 10:37
